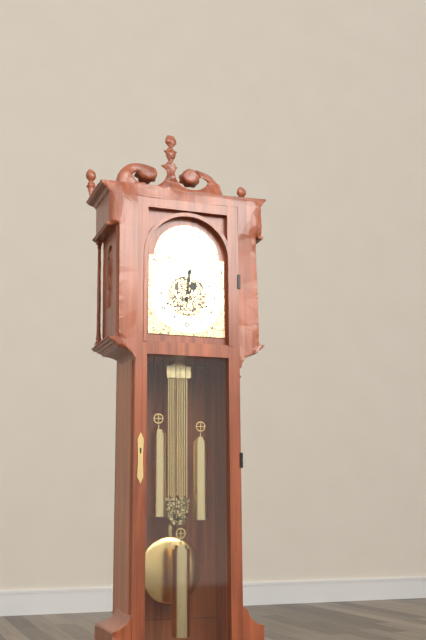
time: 1:01
